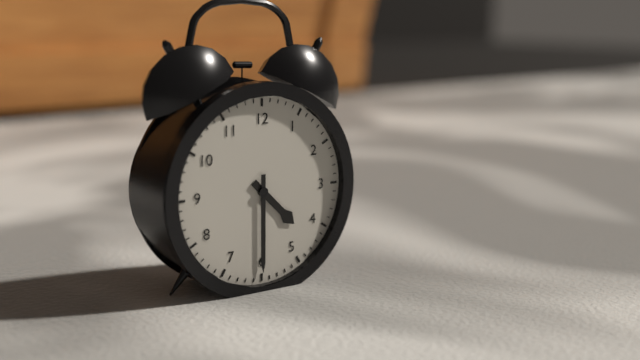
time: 4:30
